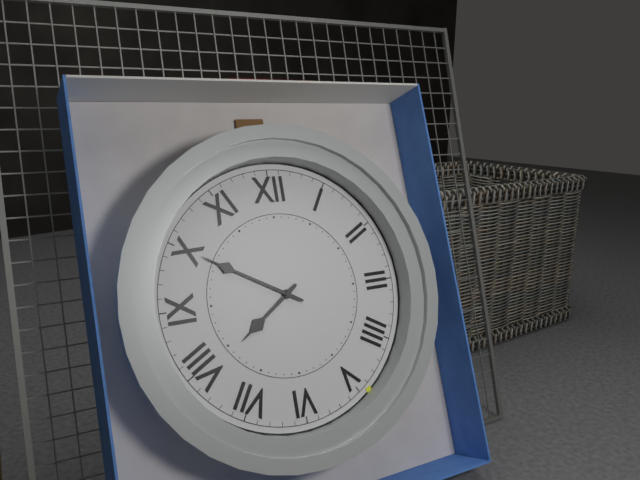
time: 7:50
